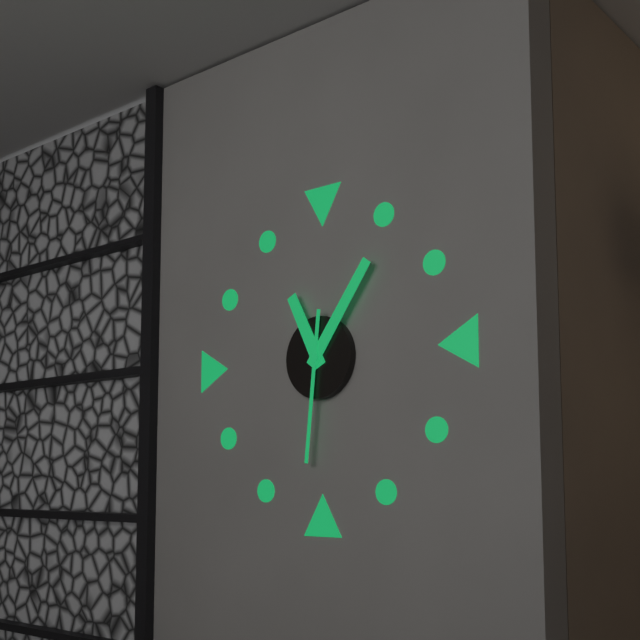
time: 11:06:31
